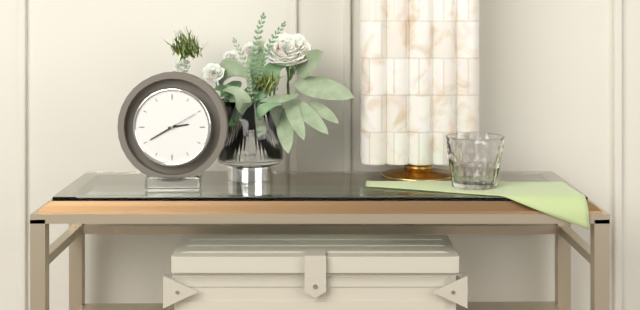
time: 2:40
